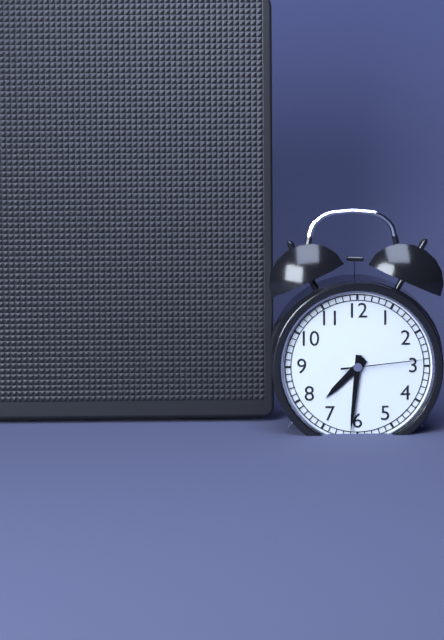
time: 7:31:14
